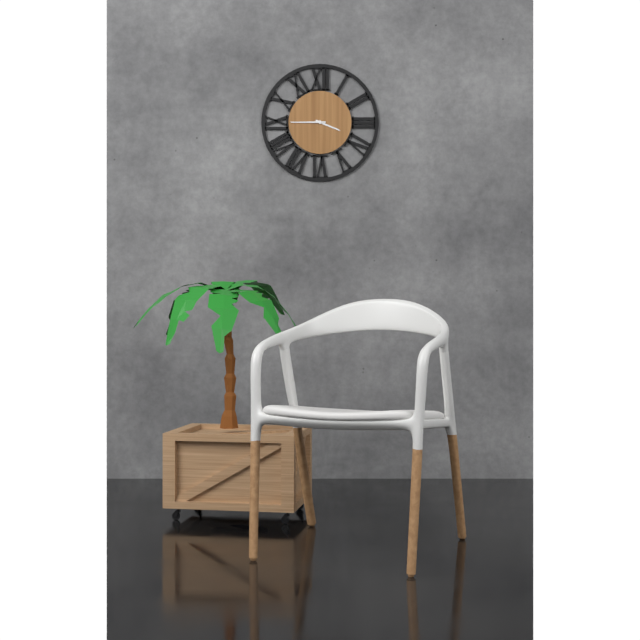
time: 3:45
